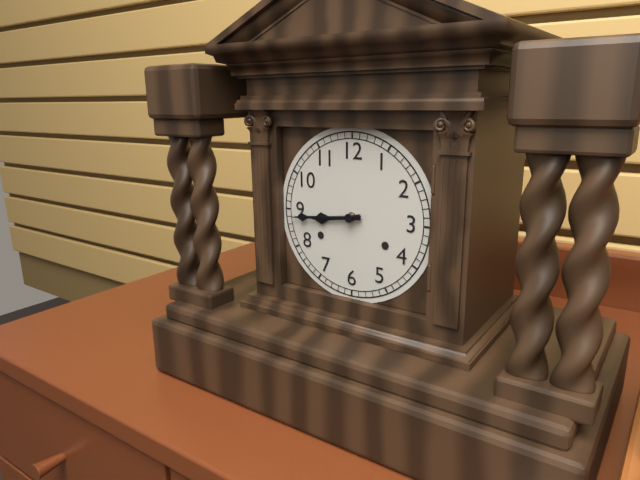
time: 8:44
